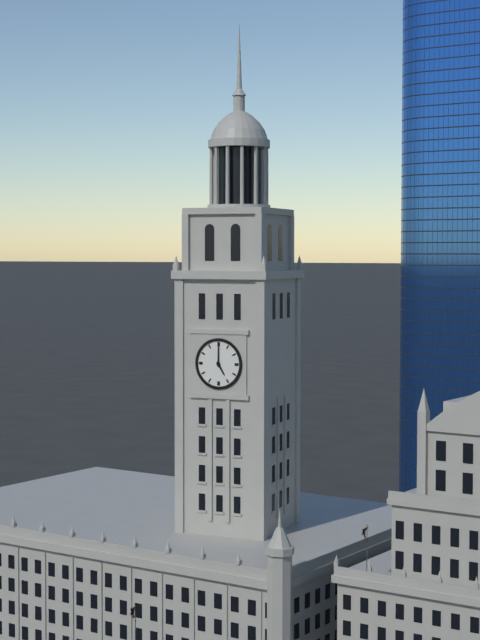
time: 5:00
